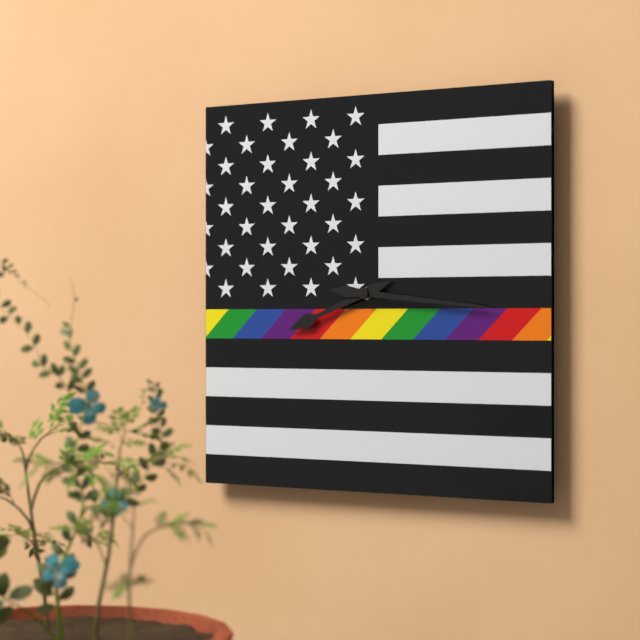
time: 8:16
